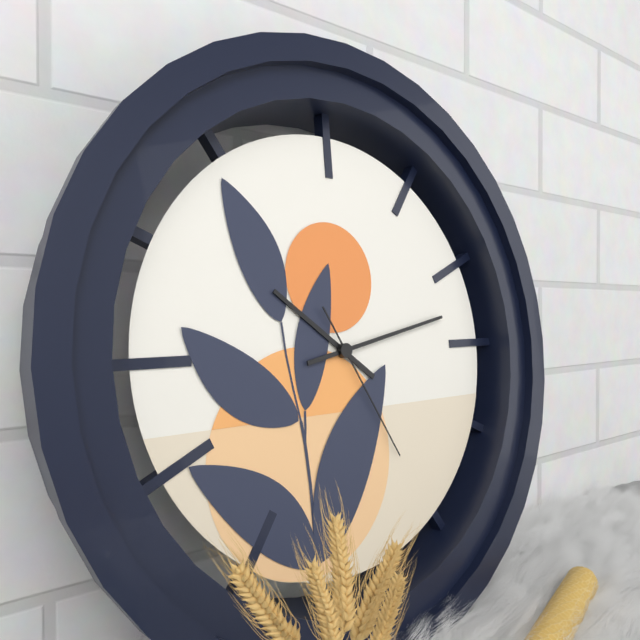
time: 10:13:25
